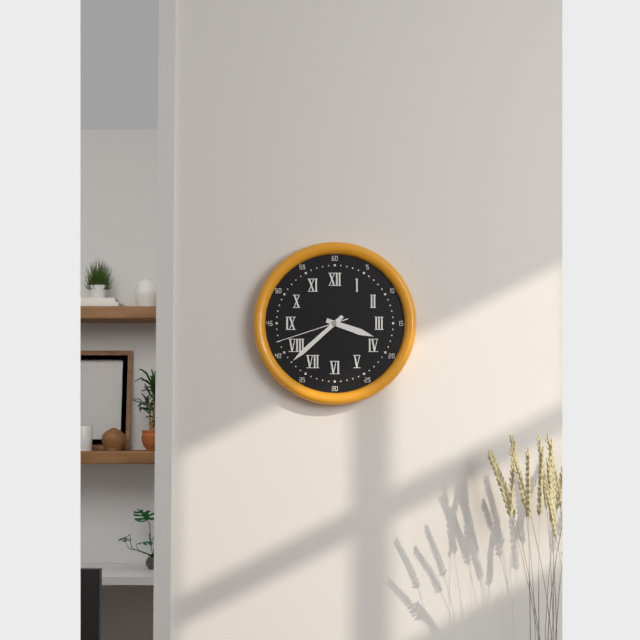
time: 3:38:42
